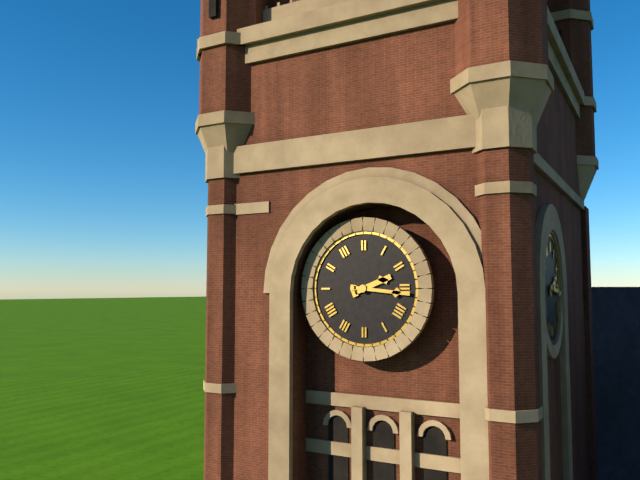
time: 2:16
